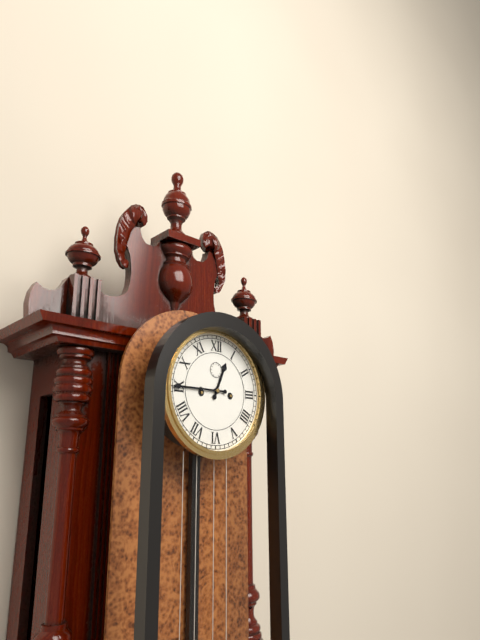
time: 12:45
